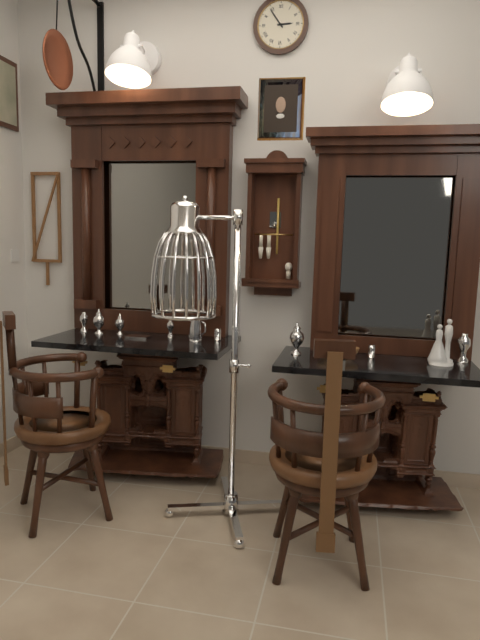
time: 2:54
